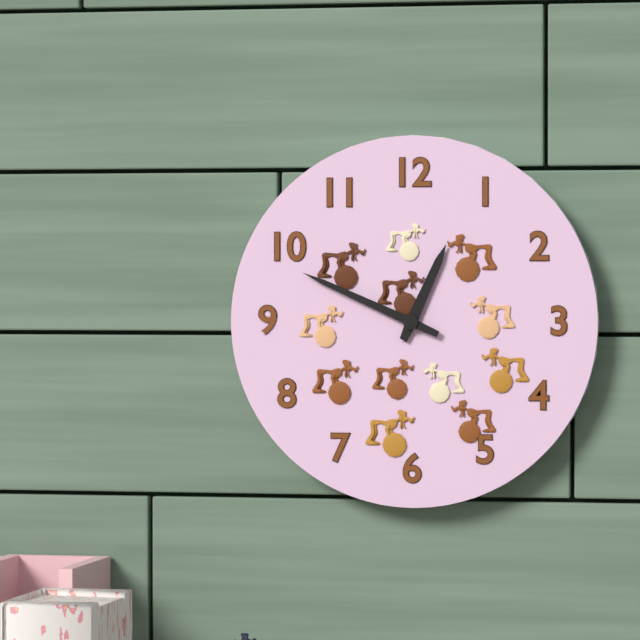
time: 12:49
